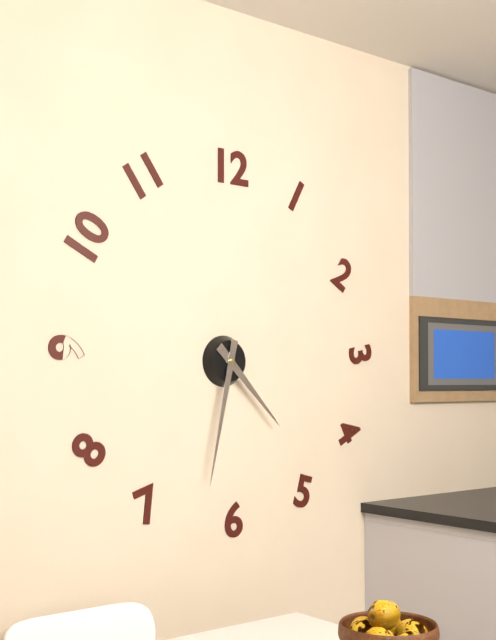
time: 4:32
